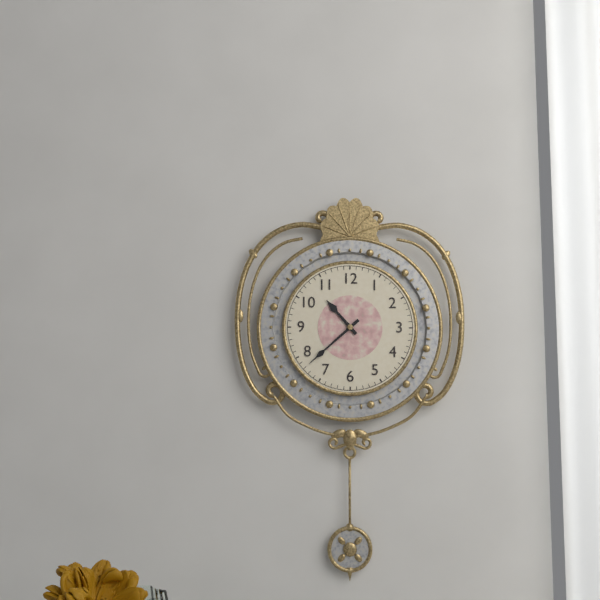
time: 10:38
